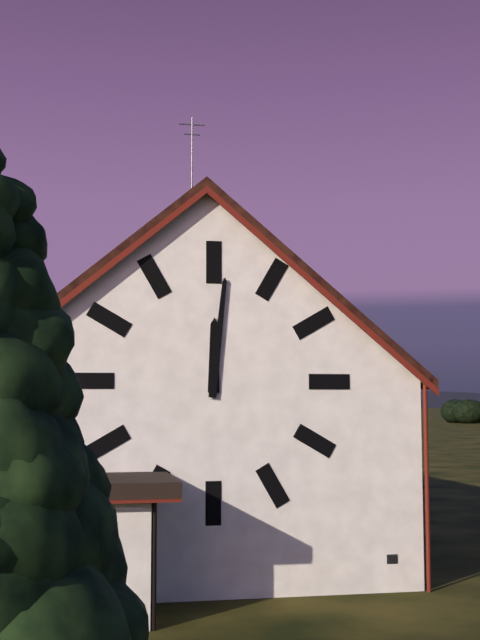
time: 12:01
